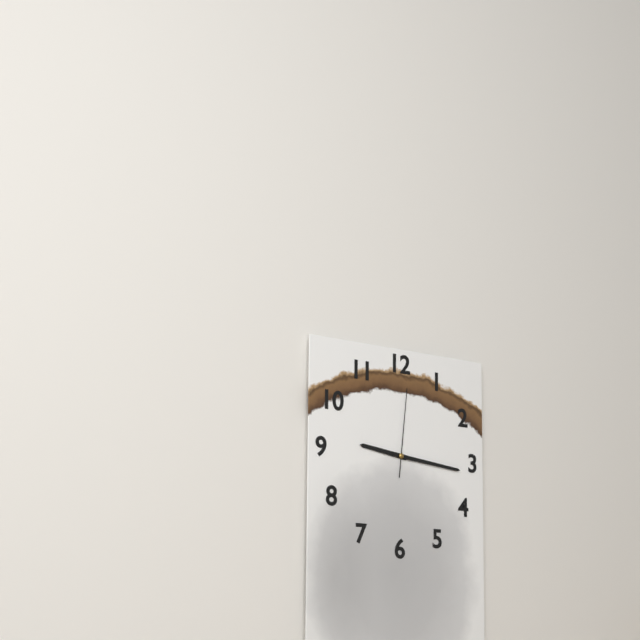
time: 9:16:01
